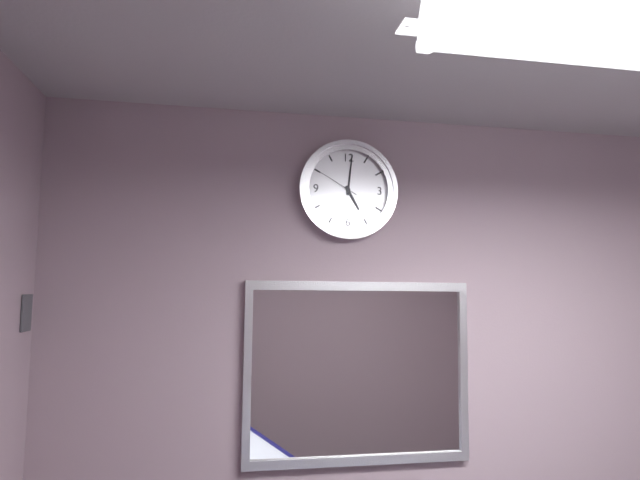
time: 5:01
